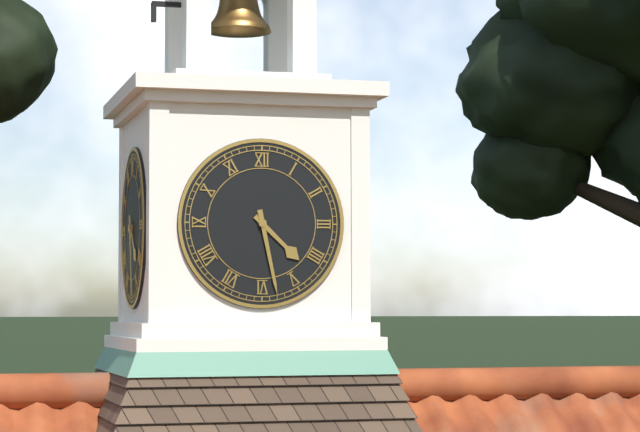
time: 4:28
